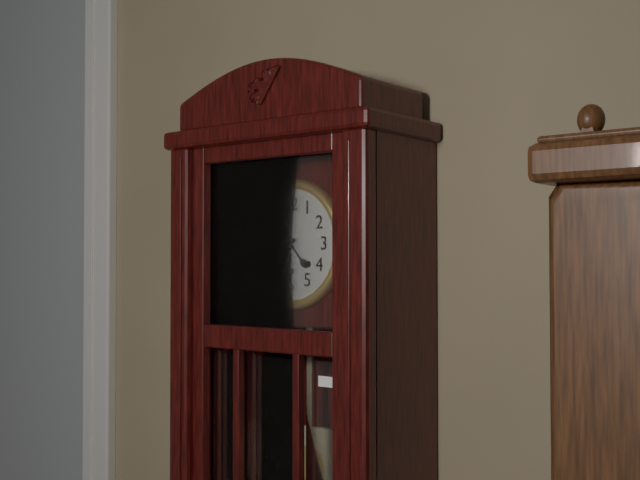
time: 4:38
